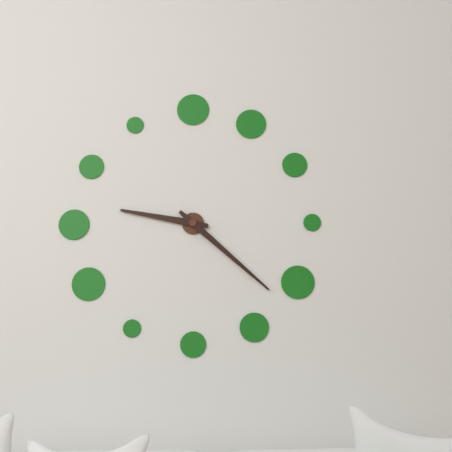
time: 9:22
